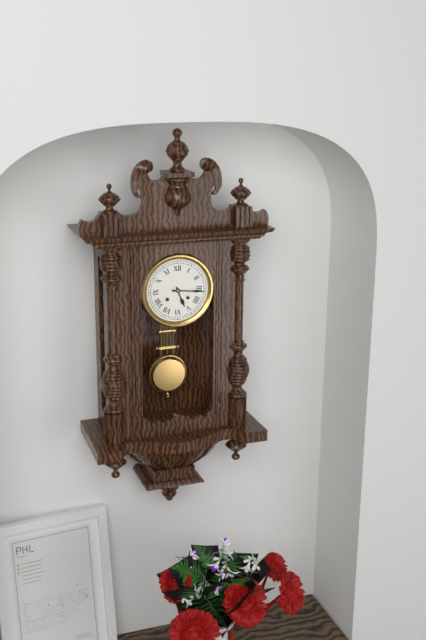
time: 5:16
